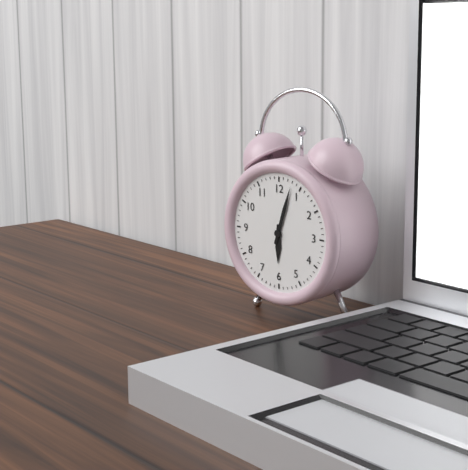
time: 6:03
